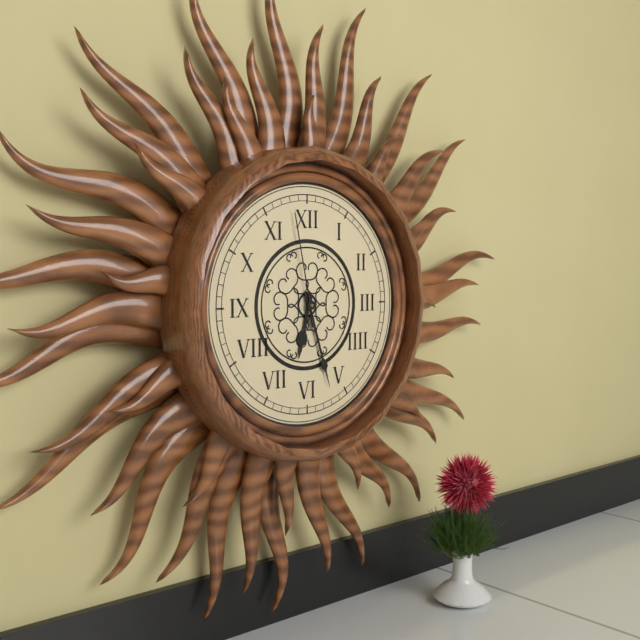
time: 6:27:58
